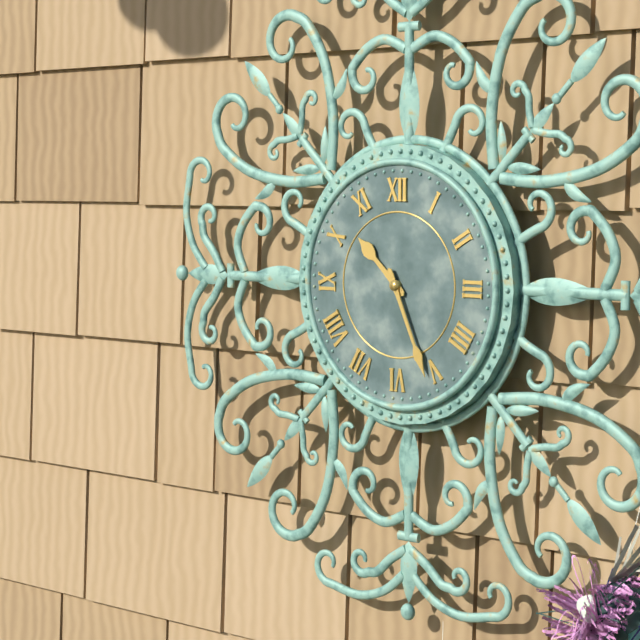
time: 10:26
